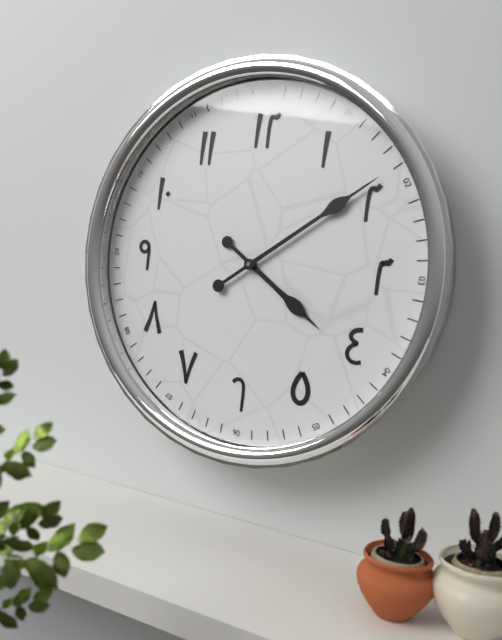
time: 4:09
